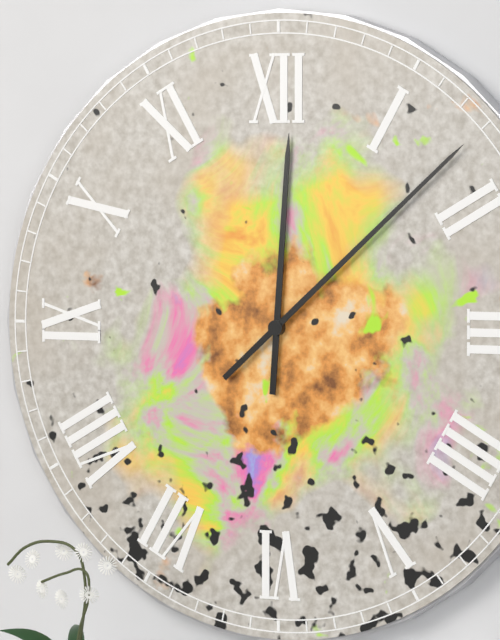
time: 12:08
